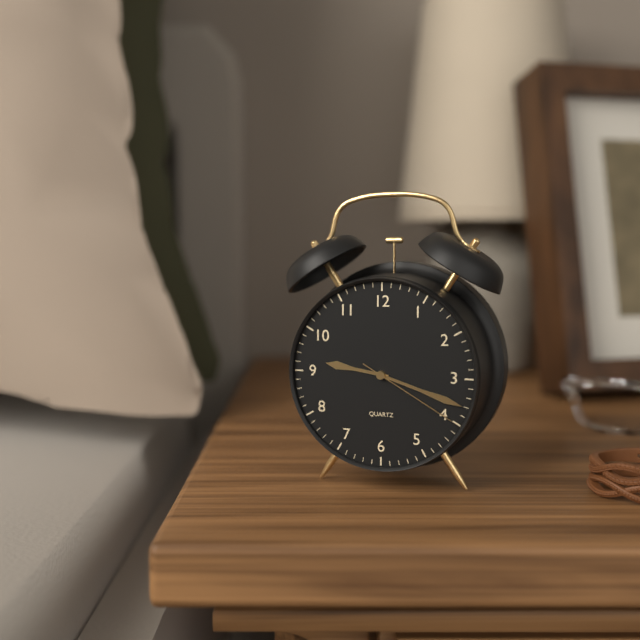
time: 9:18:20
